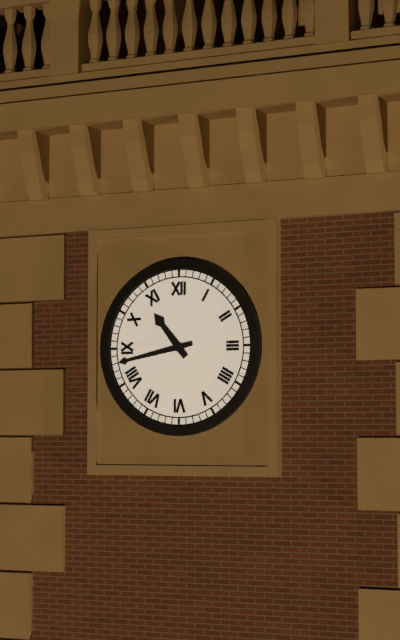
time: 10:43
